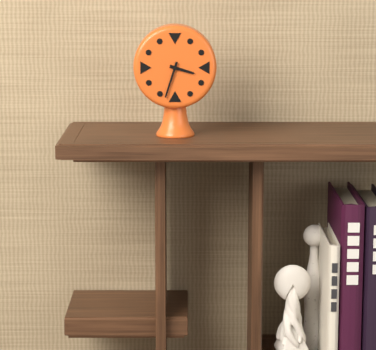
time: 3:33
